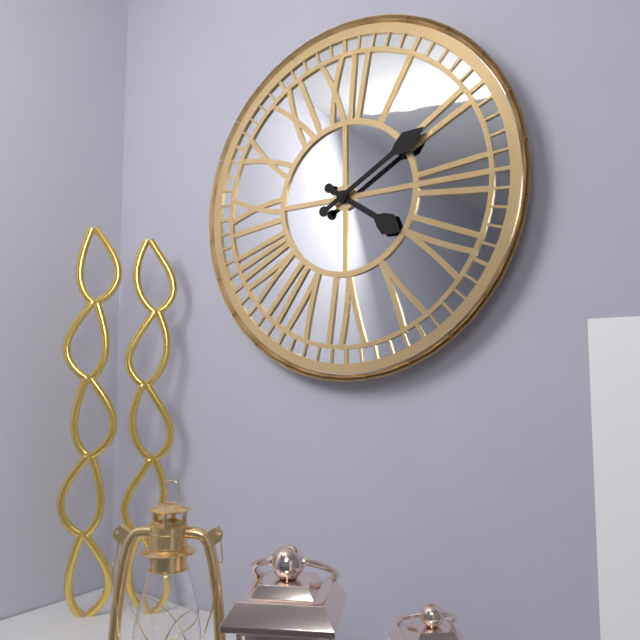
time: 4:10
